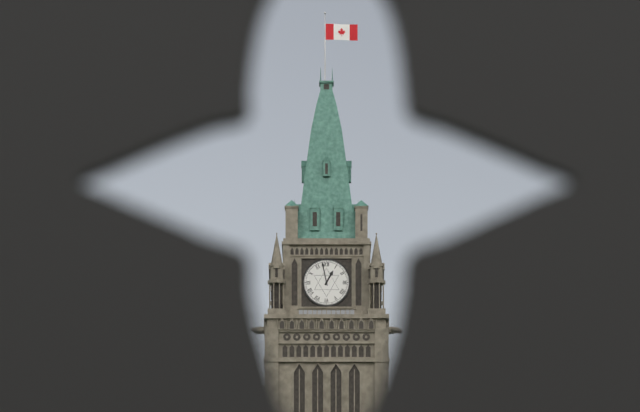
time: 12:58
